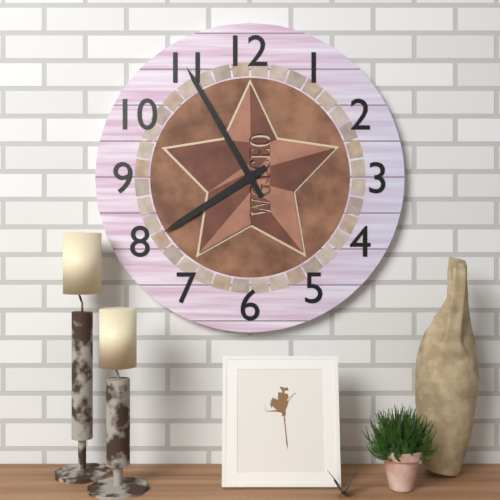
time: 7:55
